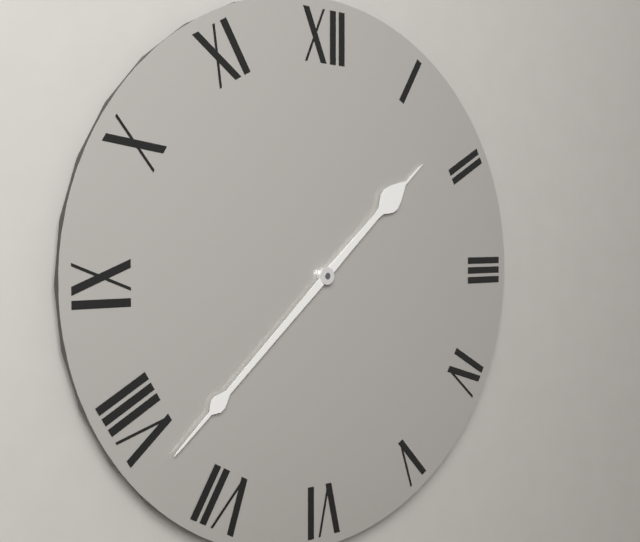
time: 1:38
